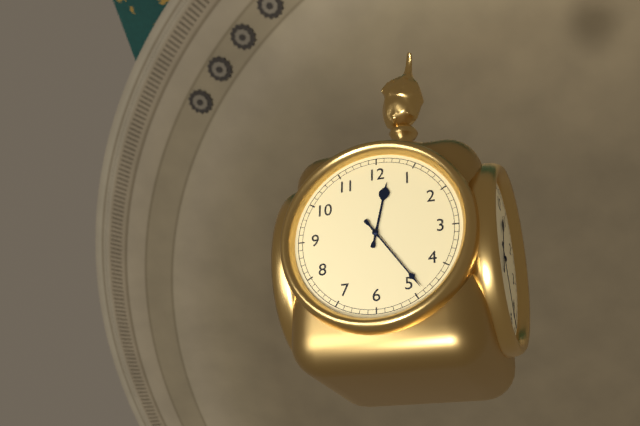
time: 12:24
